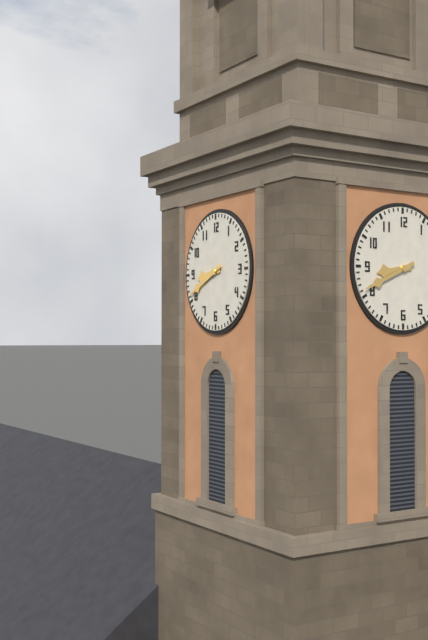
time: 8:41
